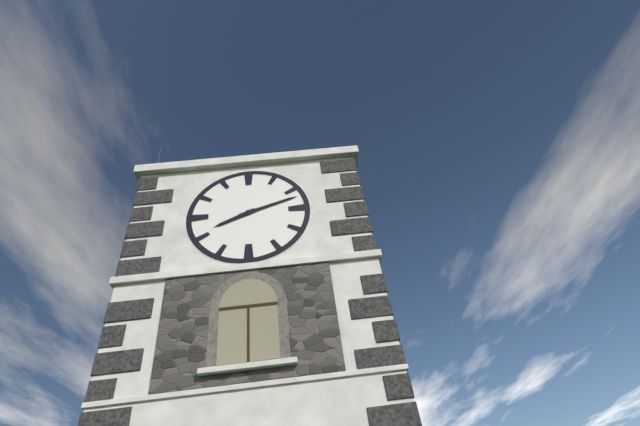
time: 8:12
